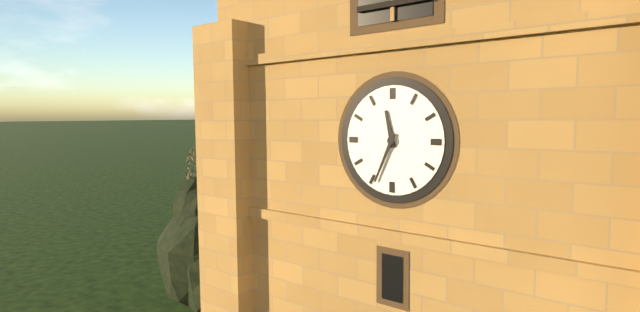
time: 11:34
